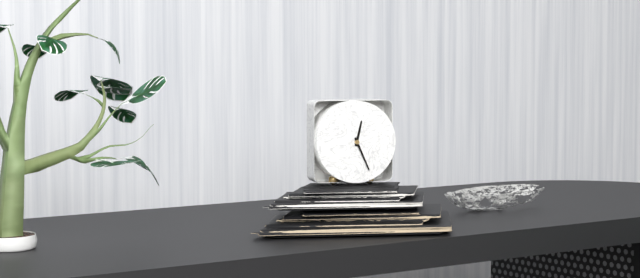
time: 12:26
